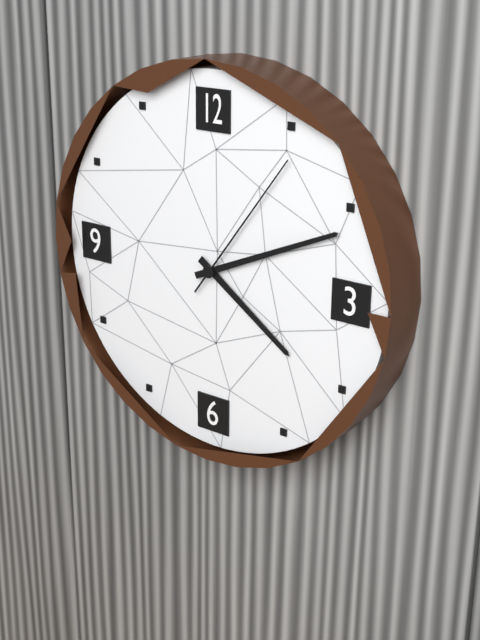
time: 4:11:06
